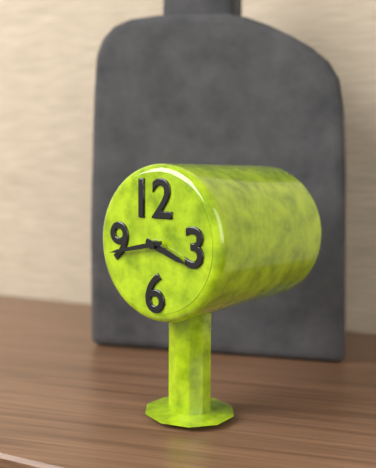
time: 3:43
